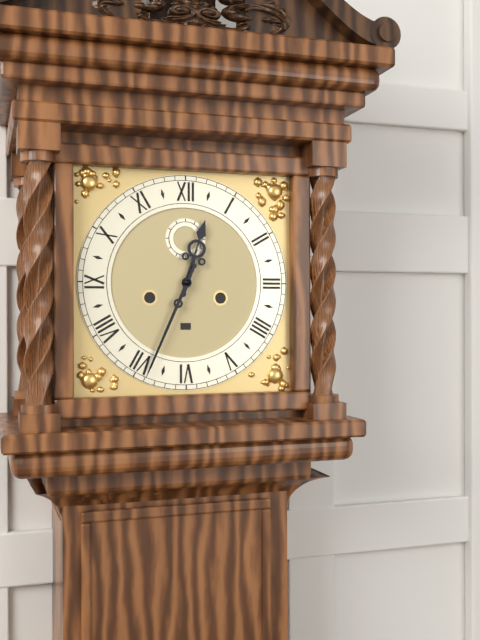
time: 12:34
